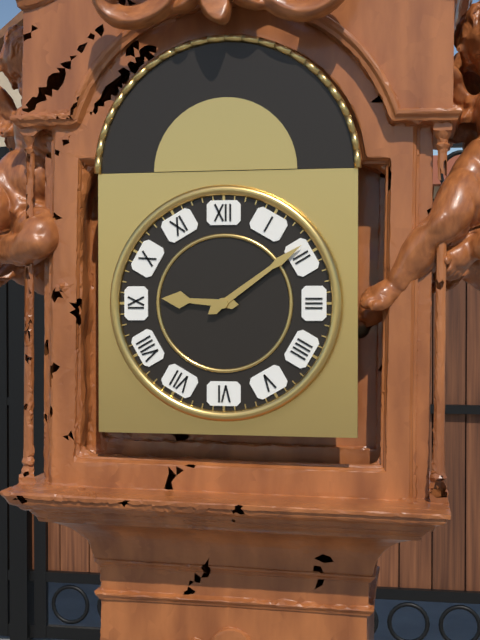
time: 9:09
